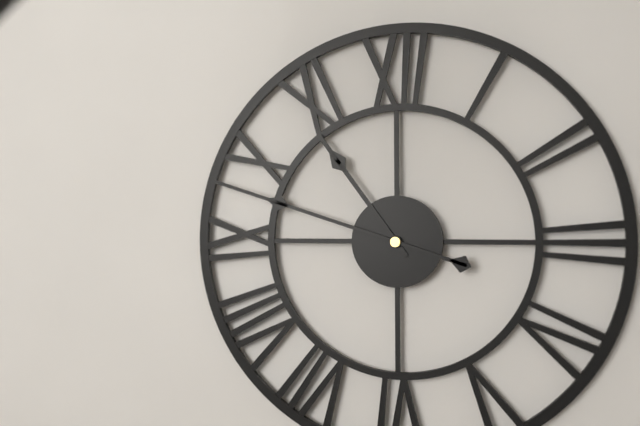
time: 10:48
